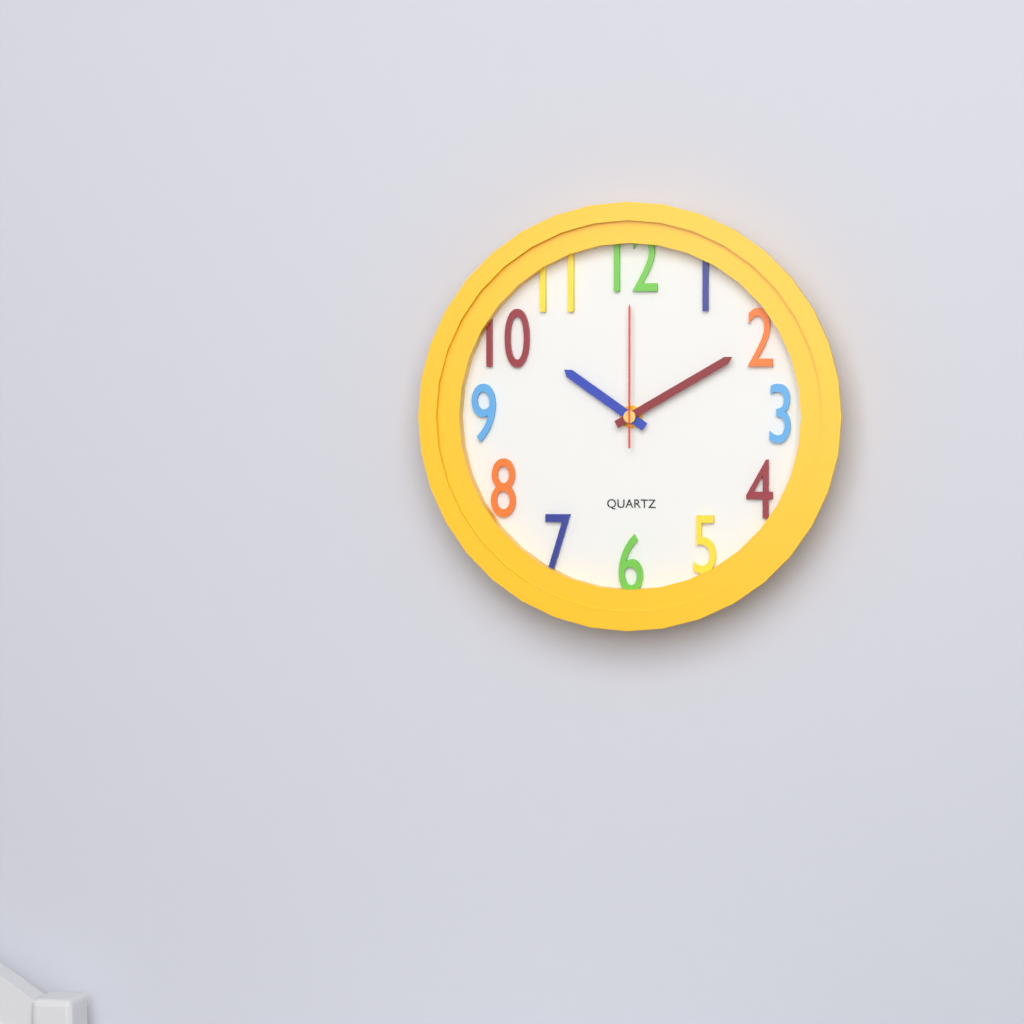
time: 10:10:00
